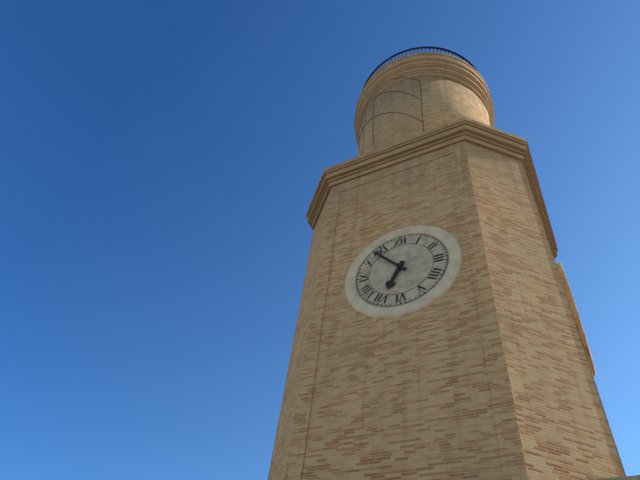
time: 6:53
